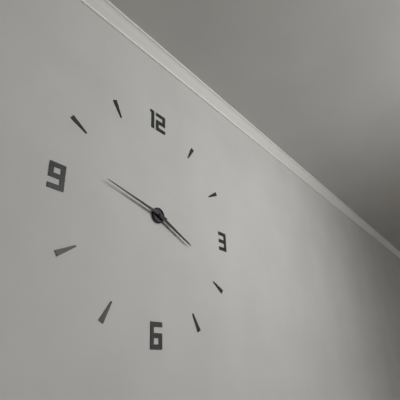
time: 3:47
